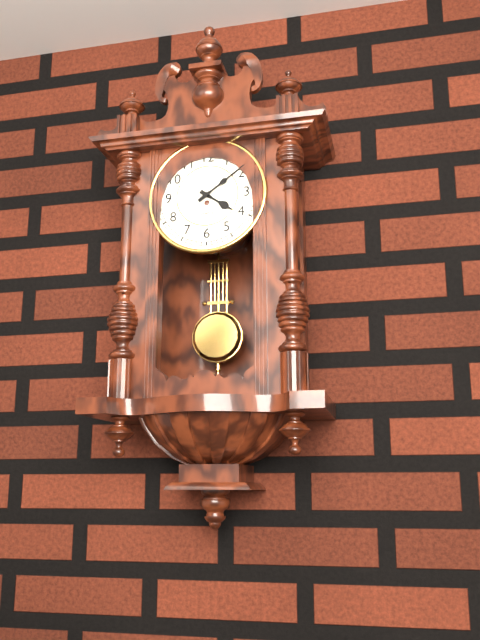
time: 4:09
